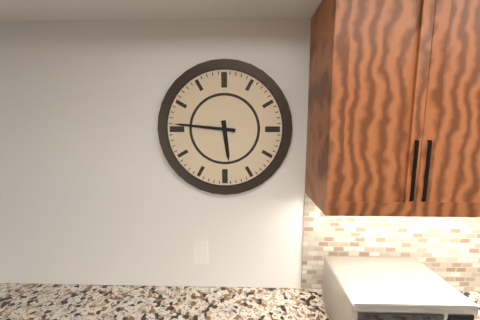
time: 5:46
